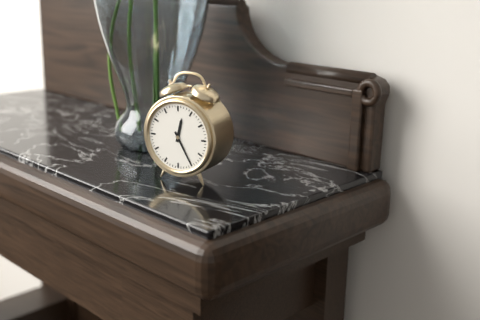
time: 12:25
